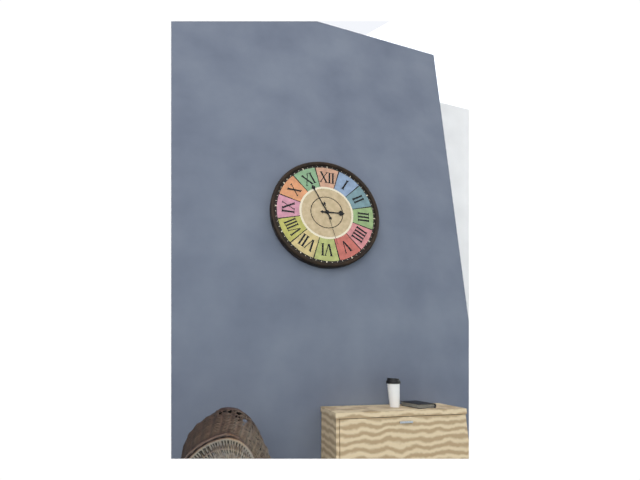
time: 2:55
